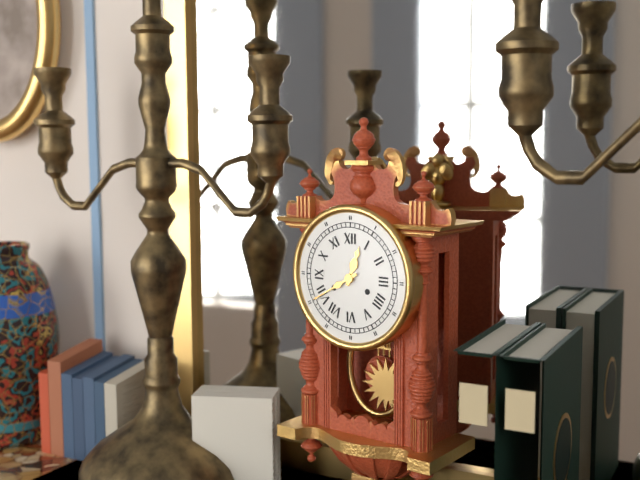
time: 12:40
